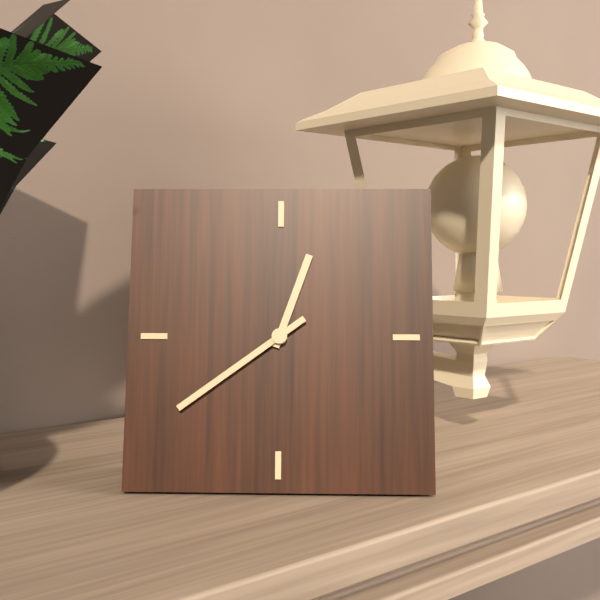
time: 12:39
